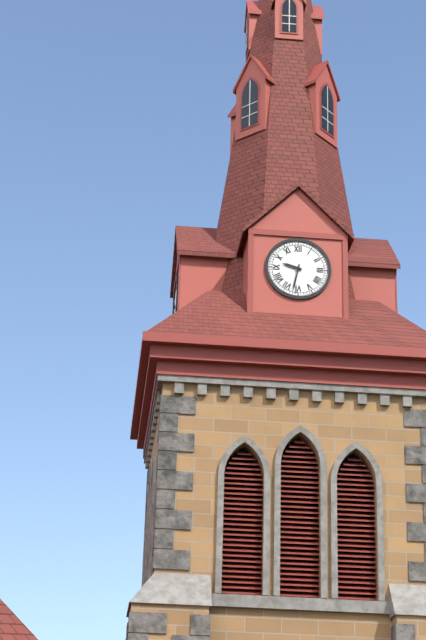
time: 9:32
